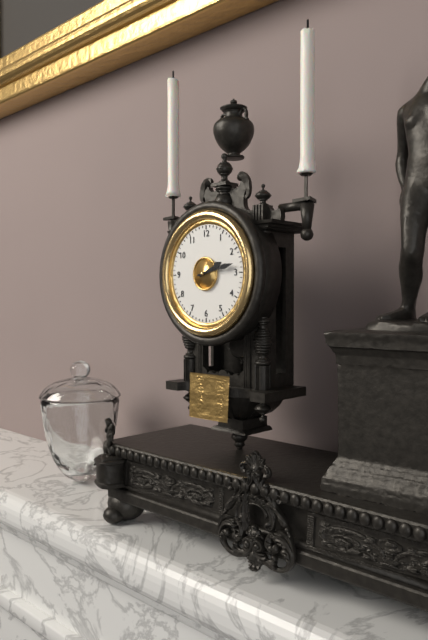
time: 2:13
